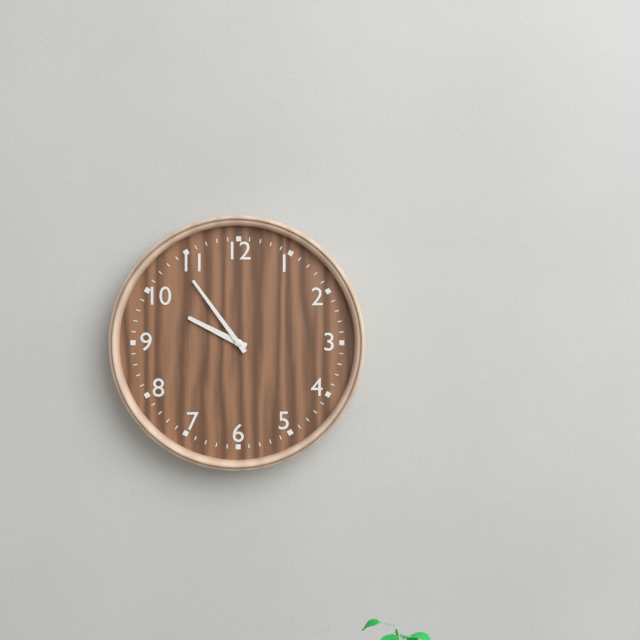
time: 9:54
